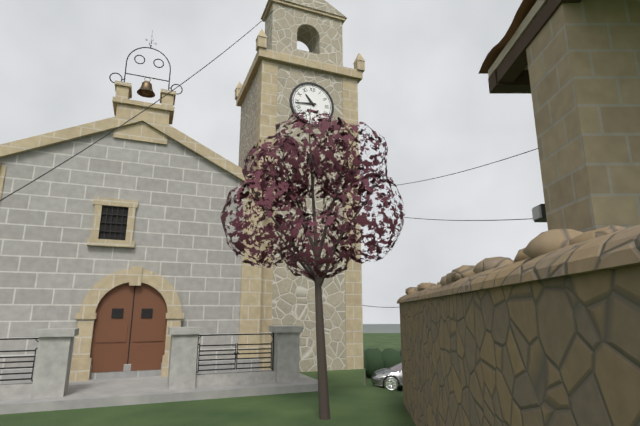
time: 10:44
